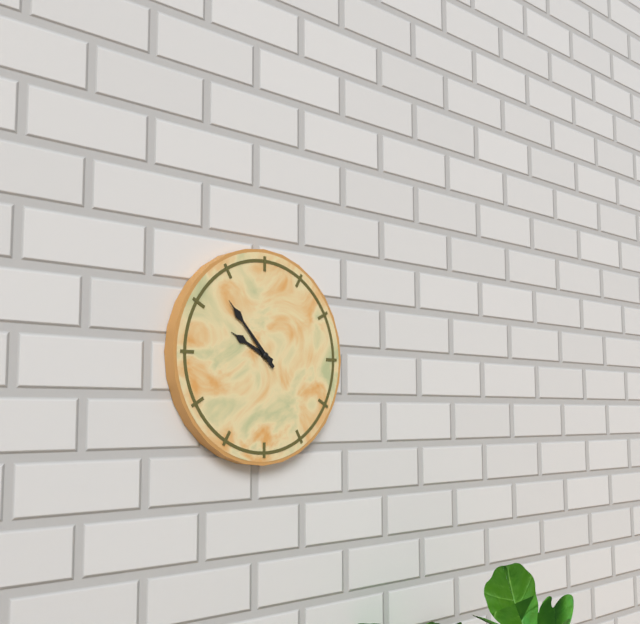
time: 9:53
